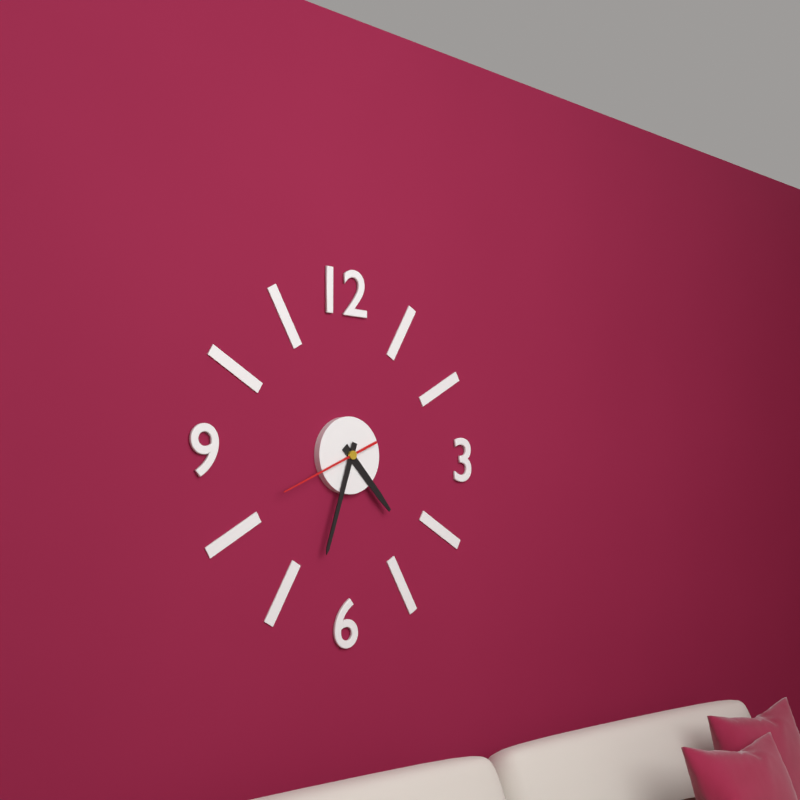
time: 4:33:41
